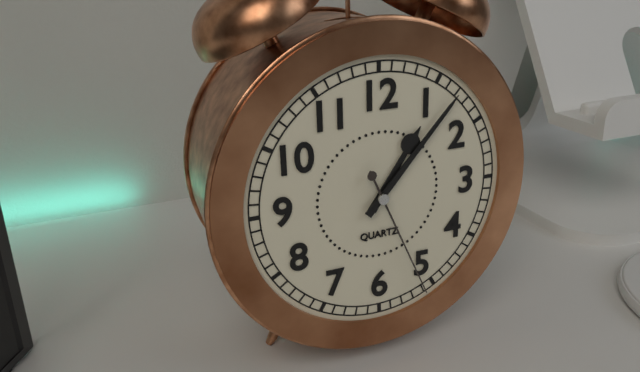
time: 1:07:26
